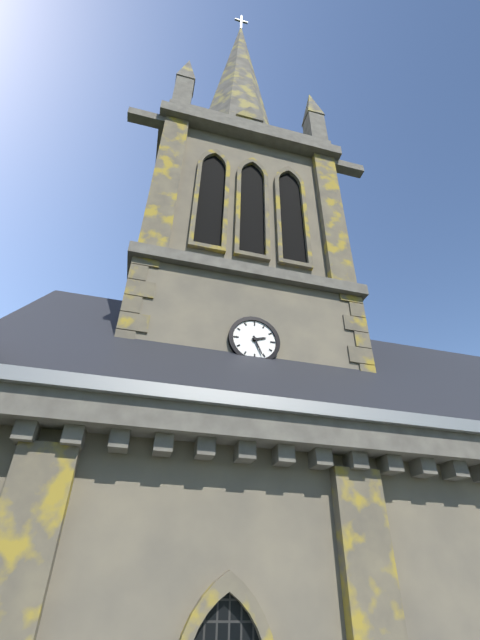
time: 2:26
